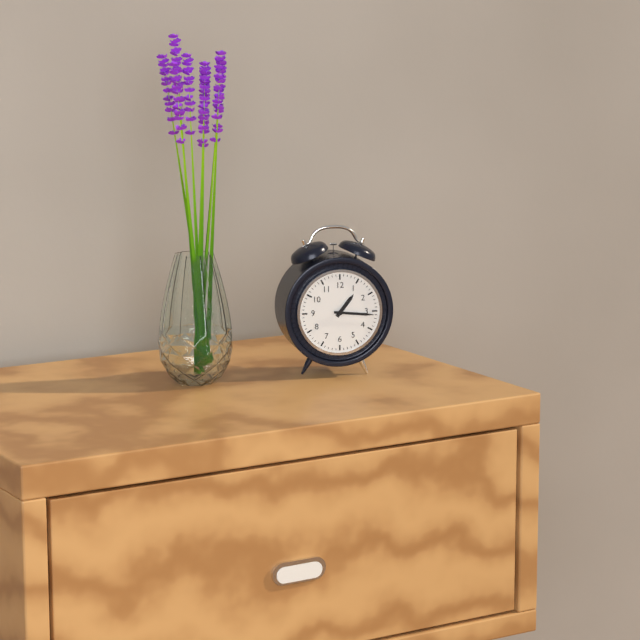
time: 1:16
